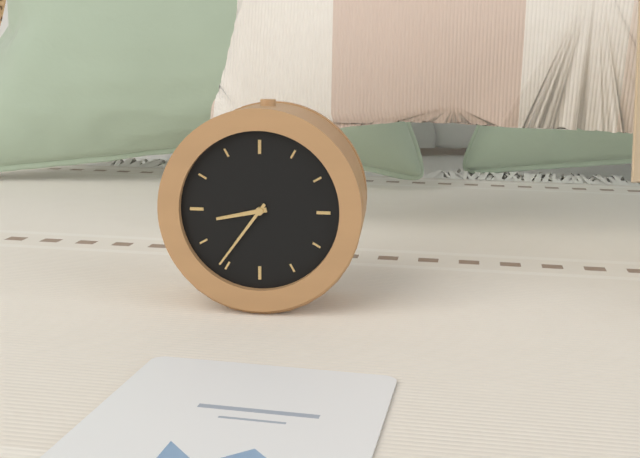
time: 8:36
